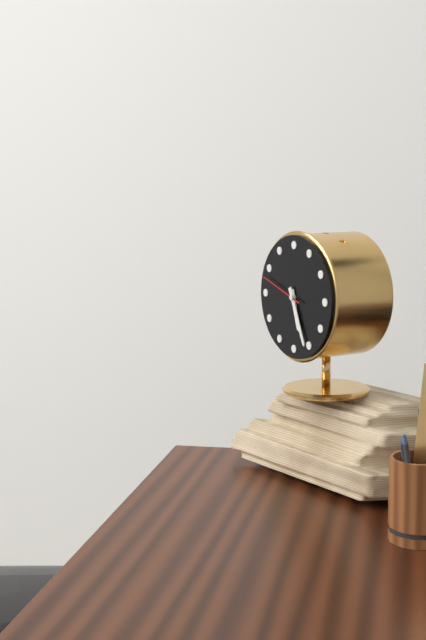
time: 5:26
